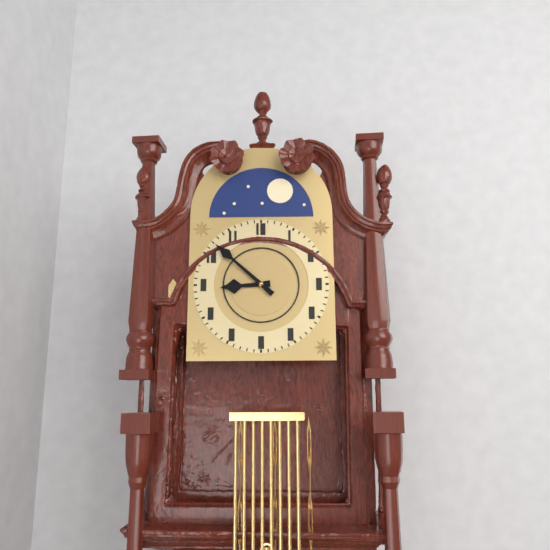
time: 8:52
